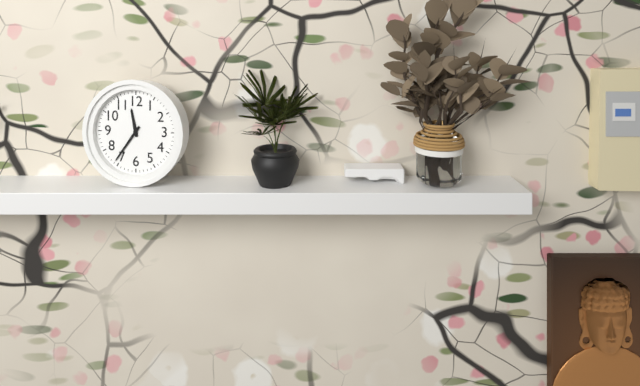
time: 11:36
